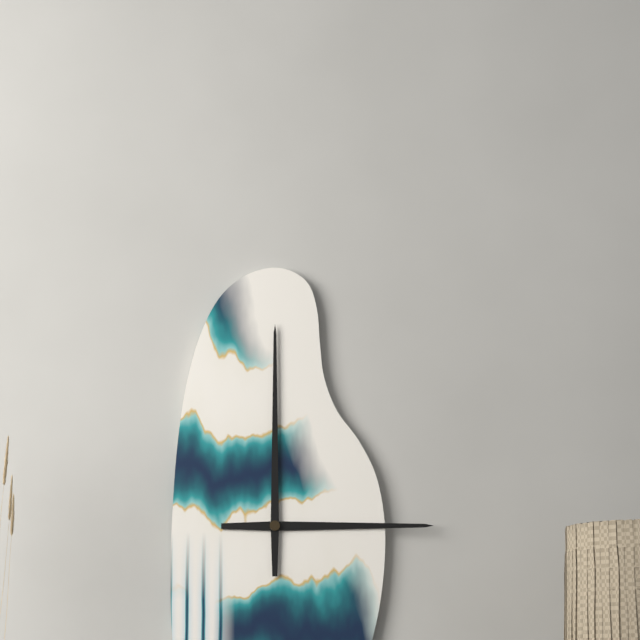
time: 3:00
